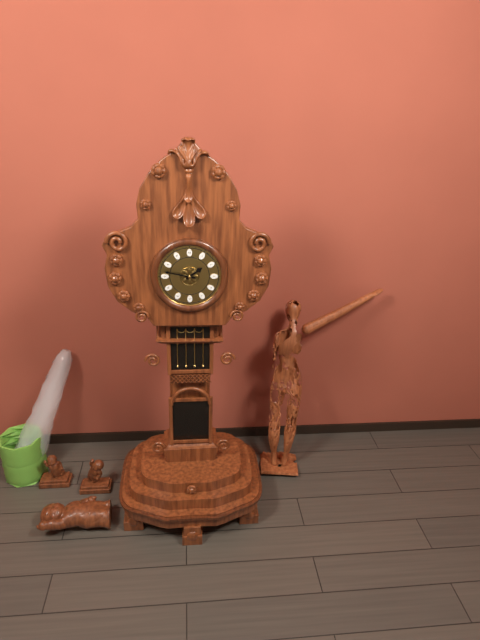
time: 1:47
